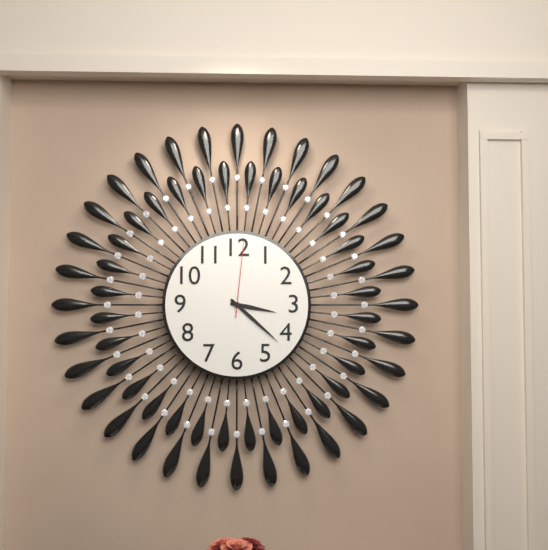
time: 3:22:01
